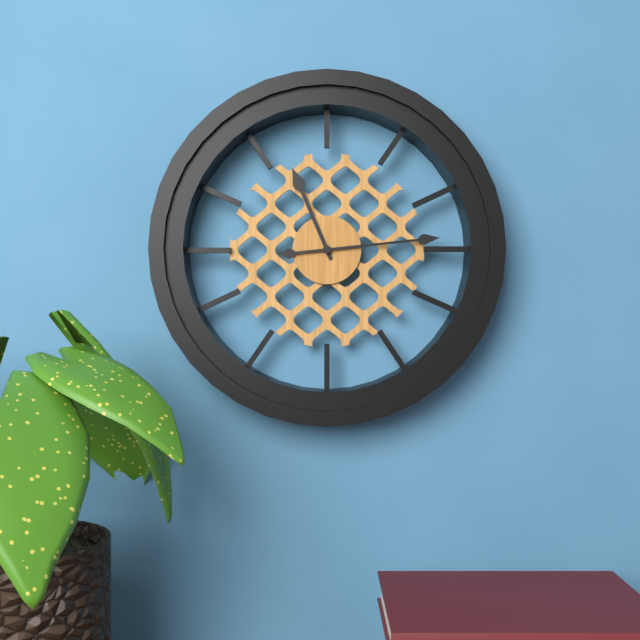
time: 11:14
